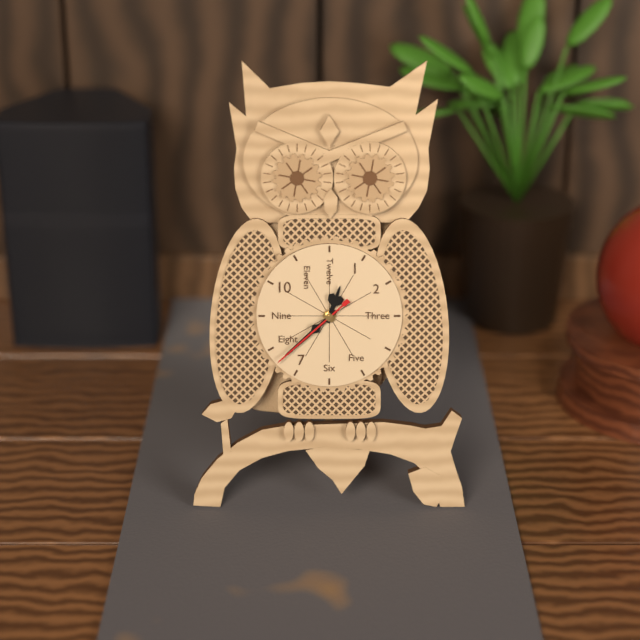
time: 12:38:38
